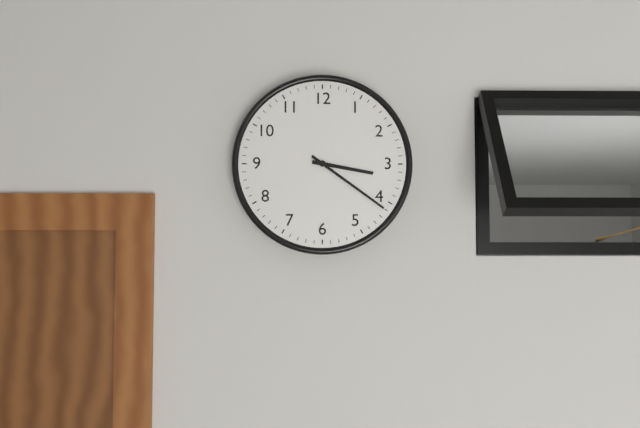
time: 3:21
